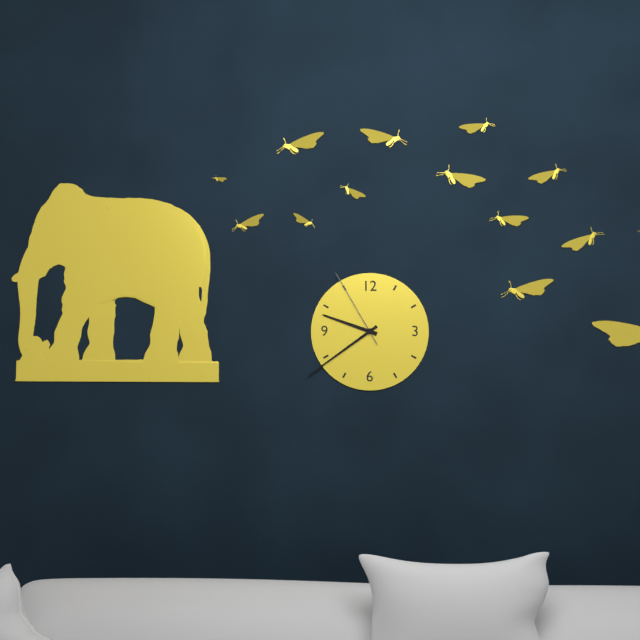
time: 9:39:55
